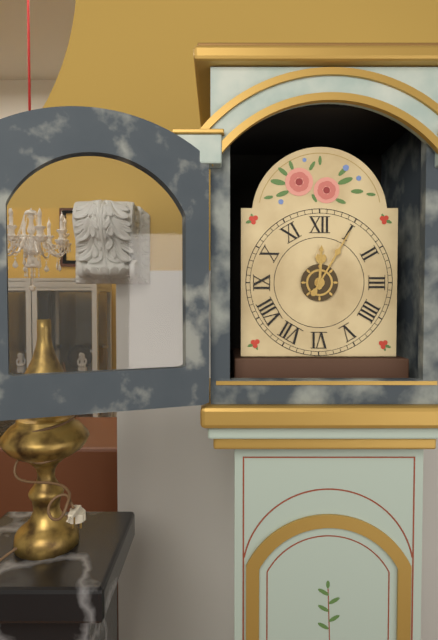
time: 12:05
